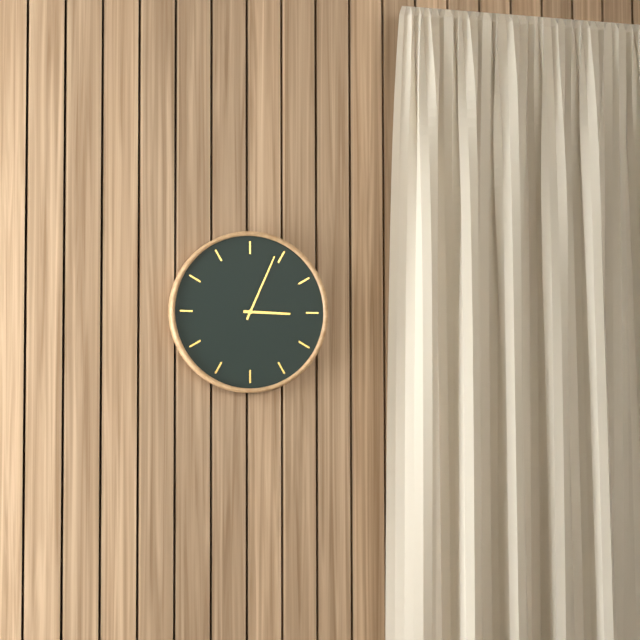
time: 3:04
